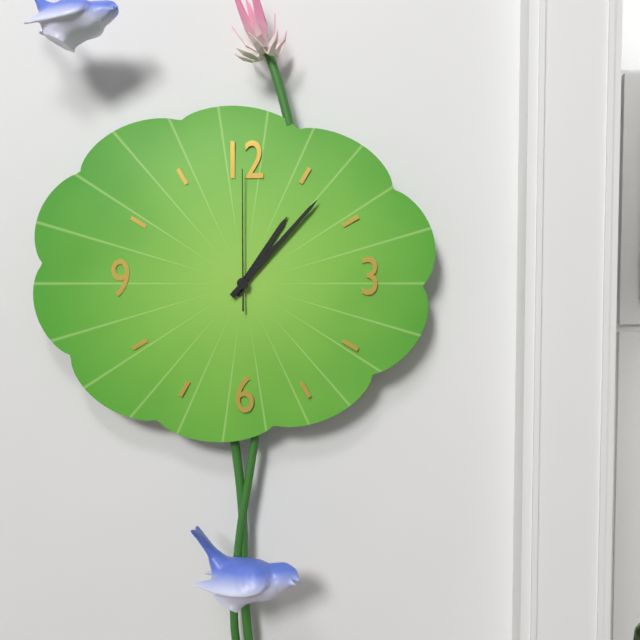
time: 1:07:00
